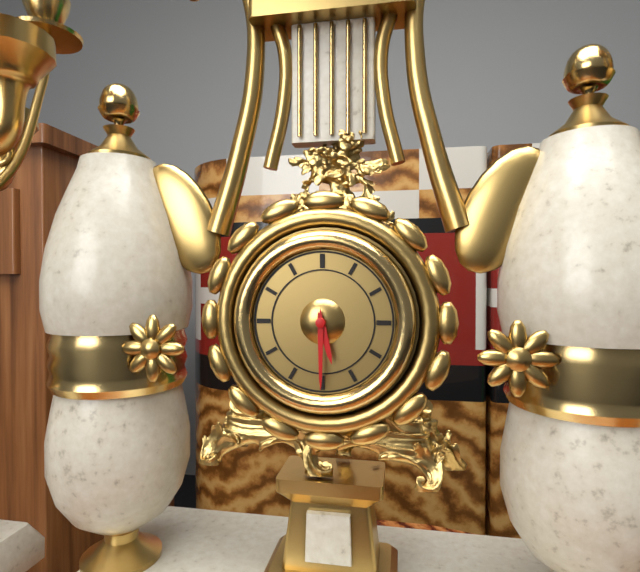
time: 5:30
